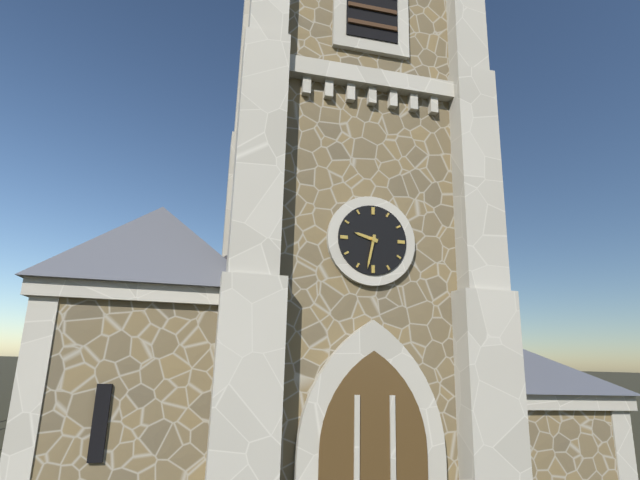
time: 9:32
